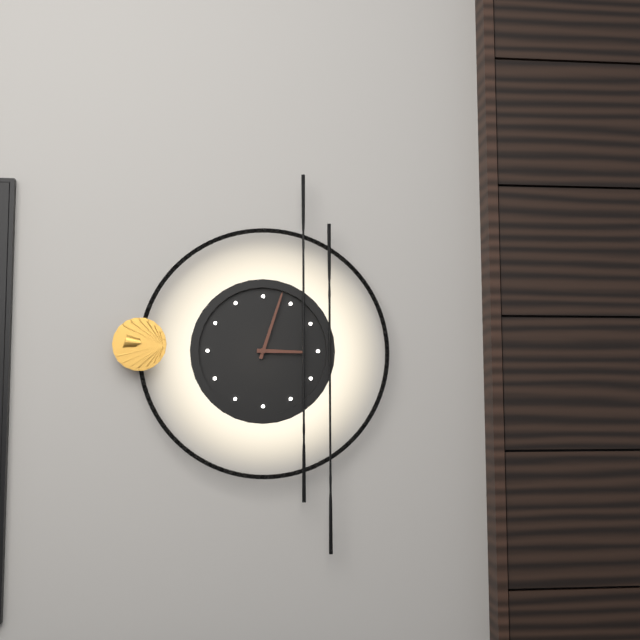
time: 3:03
